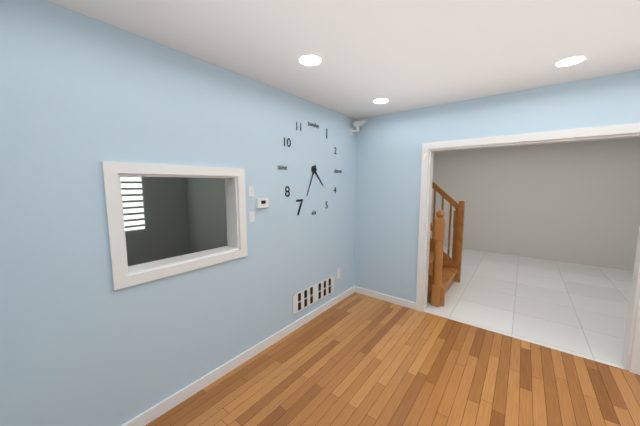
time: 4:34
